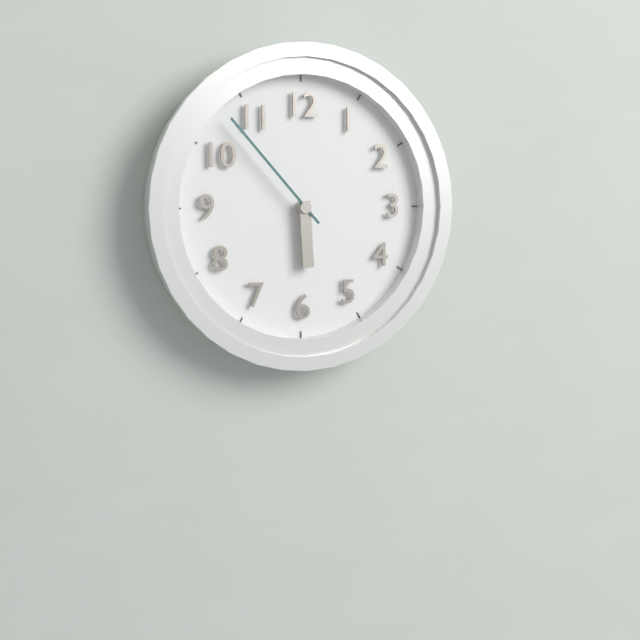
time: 5:53
